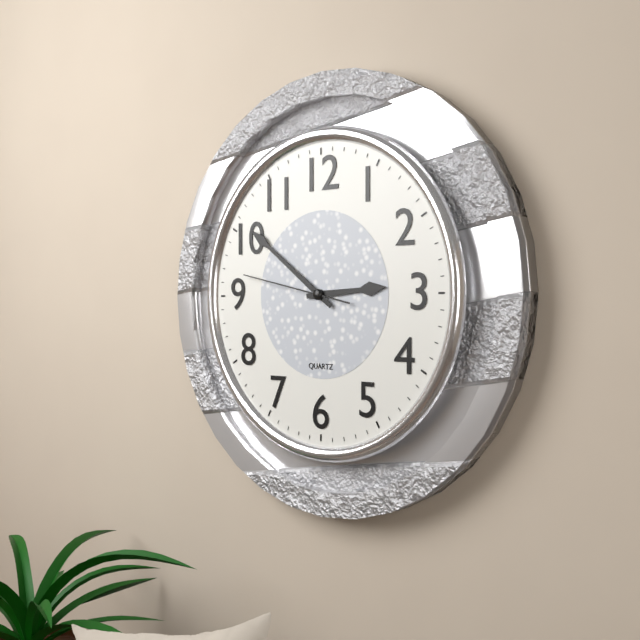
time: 2:51:47
